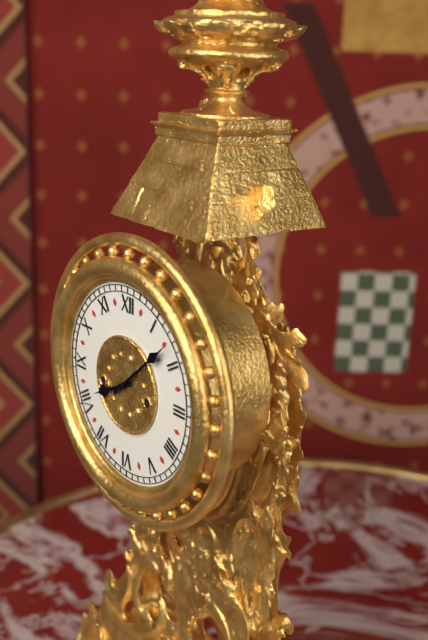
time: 8:08
